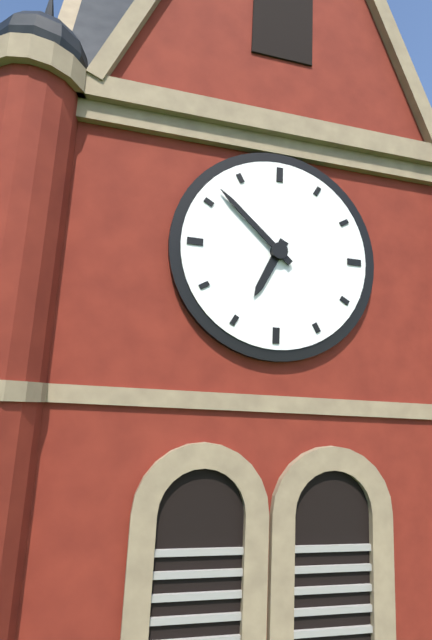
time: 6:52
